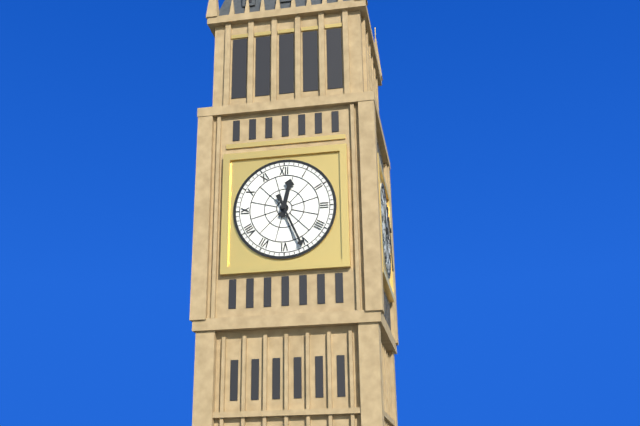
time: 12:26
